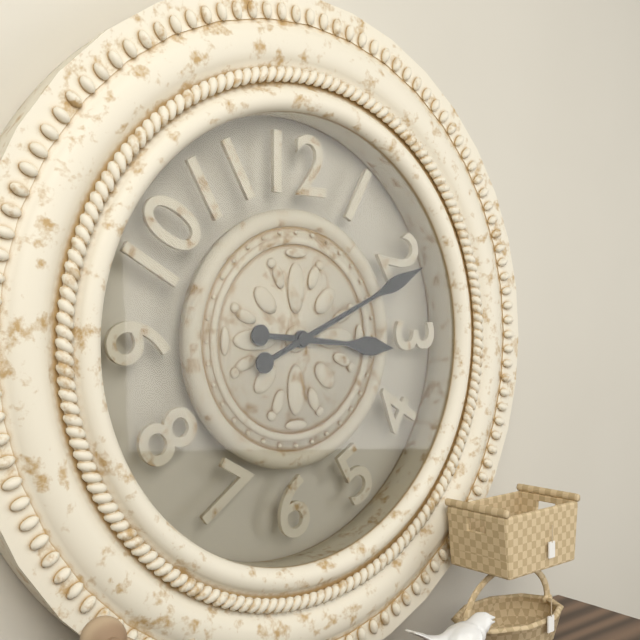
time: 3:11
